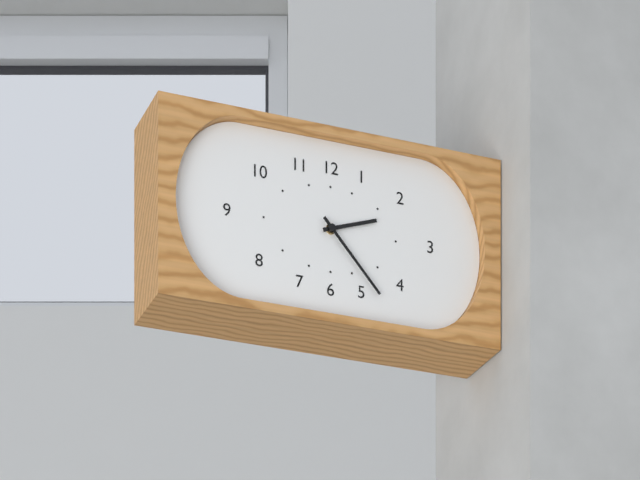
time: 2:23
